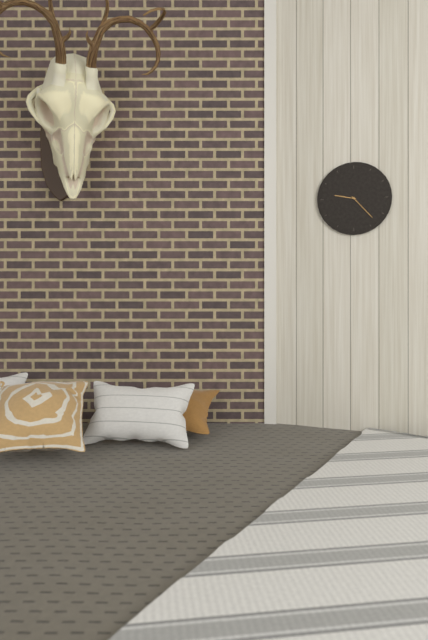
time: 9:23
